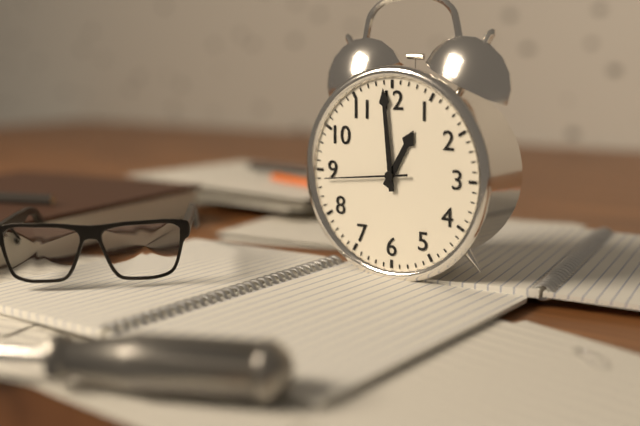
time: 12:59:44
